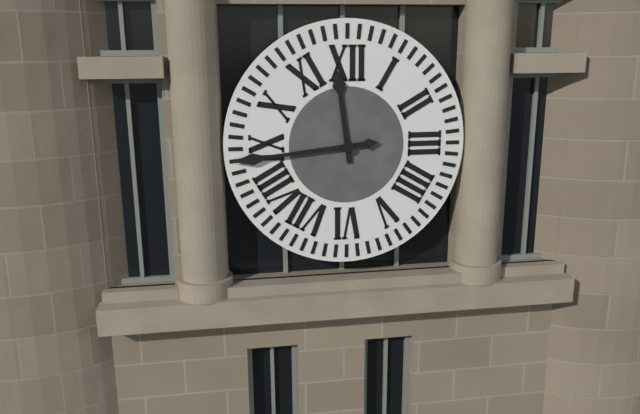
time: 11:44
